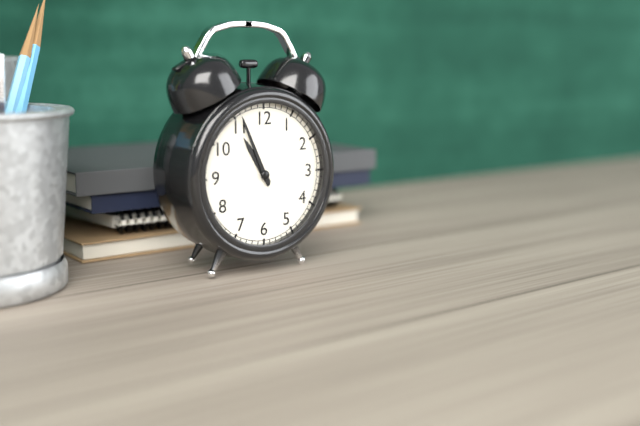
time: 10:56
